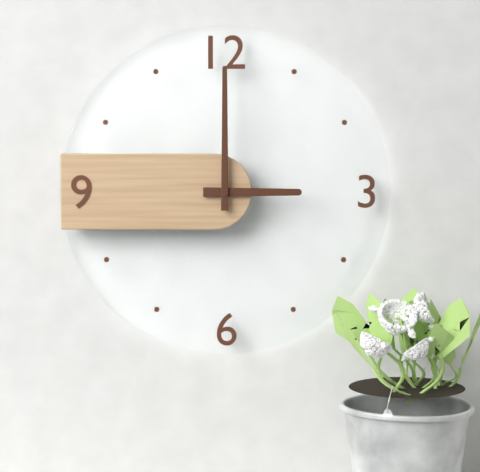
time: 3:00
